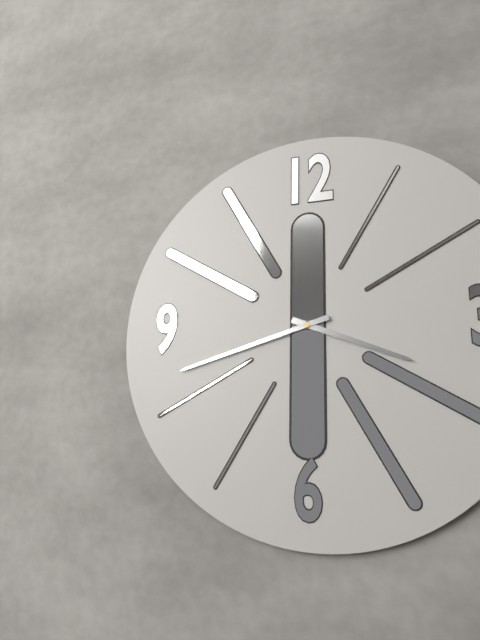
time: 3:42
